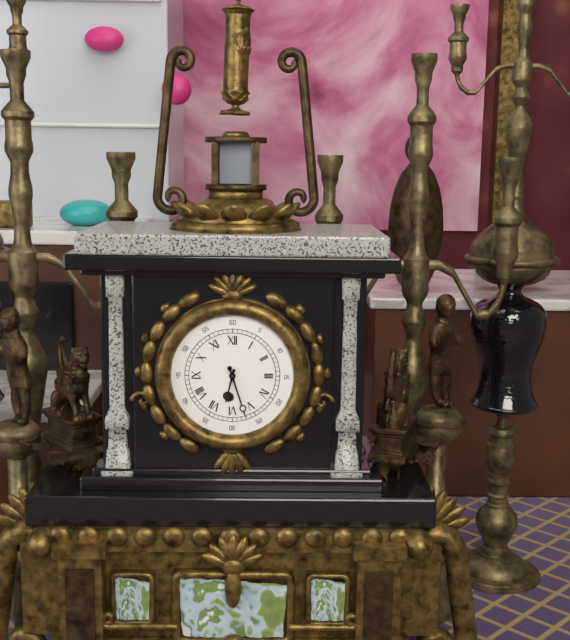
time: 6:27
